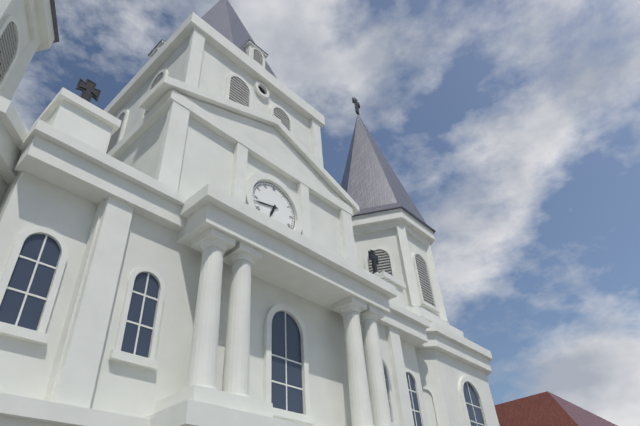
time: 6:43
